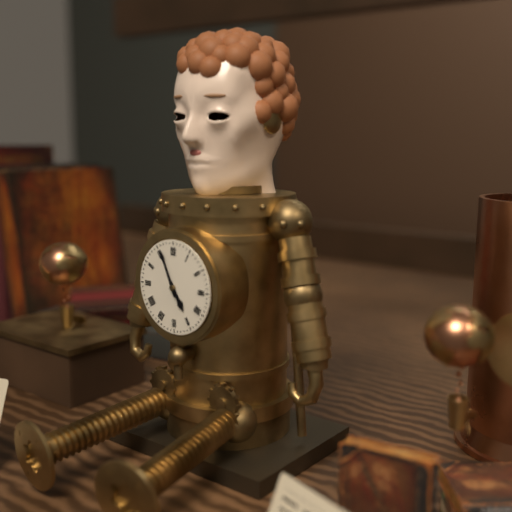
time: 4:56
